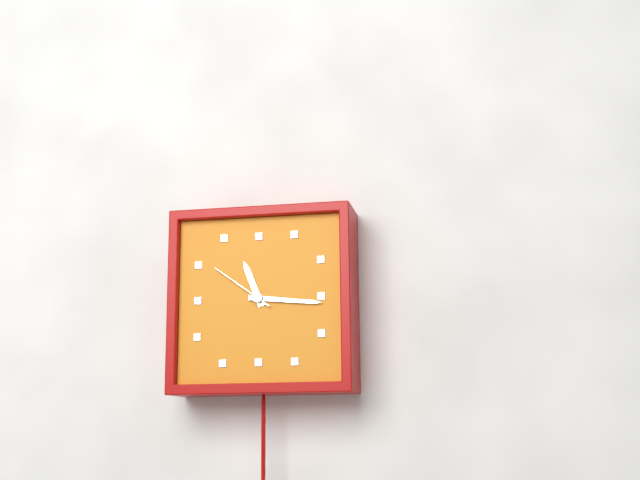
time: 11:16:51
